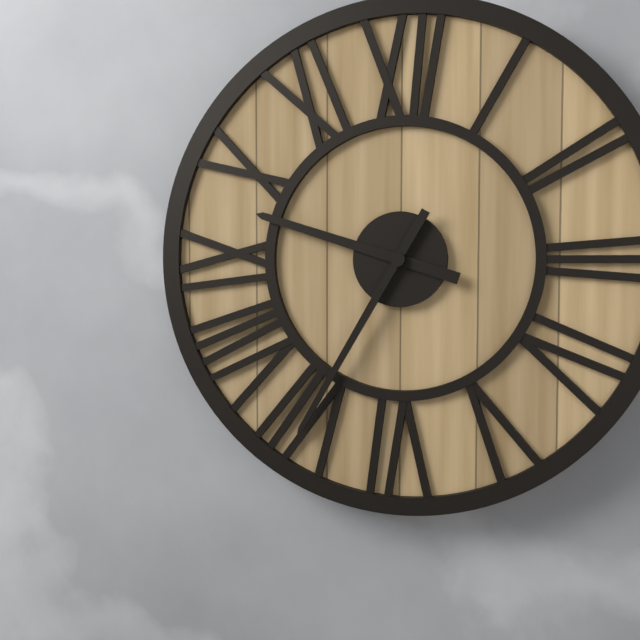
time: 9:35
